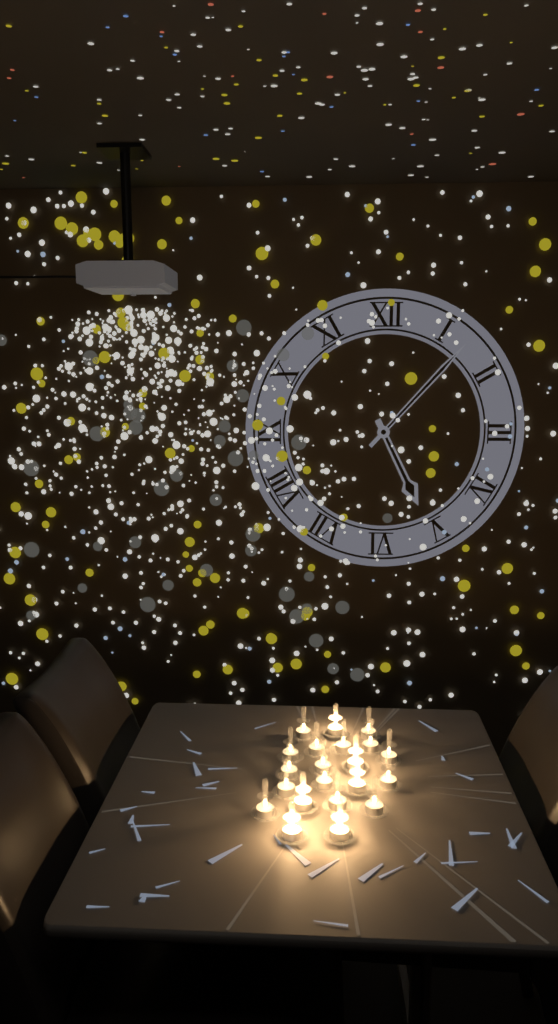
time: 5:07
